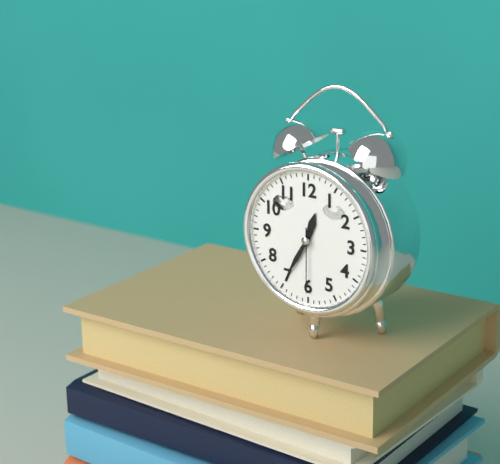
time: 12:35:30
